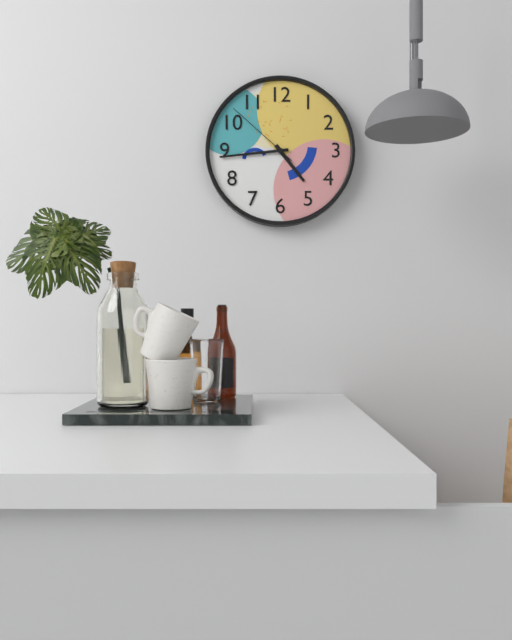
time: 4:44:52
